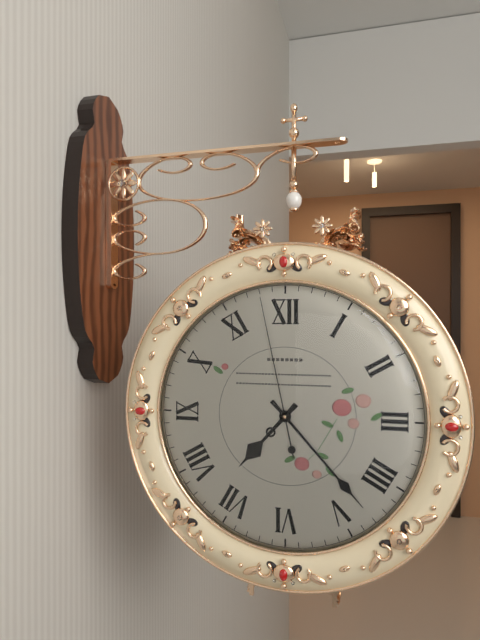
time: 7:23:58
